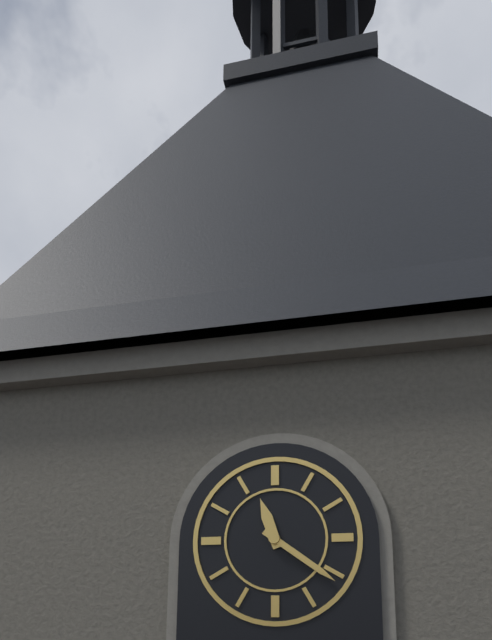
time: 11:21
